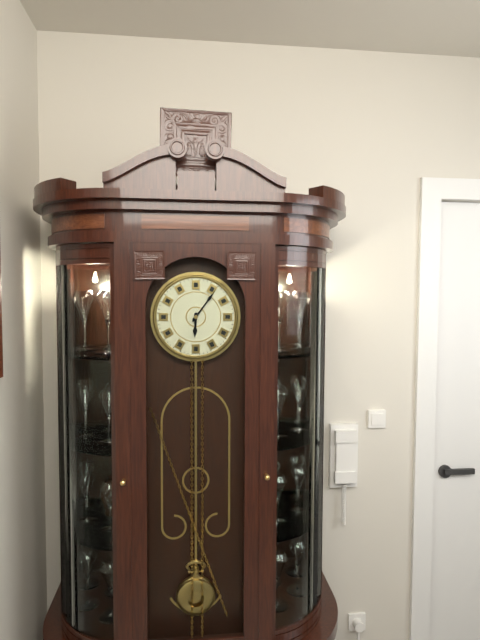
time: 6:06
